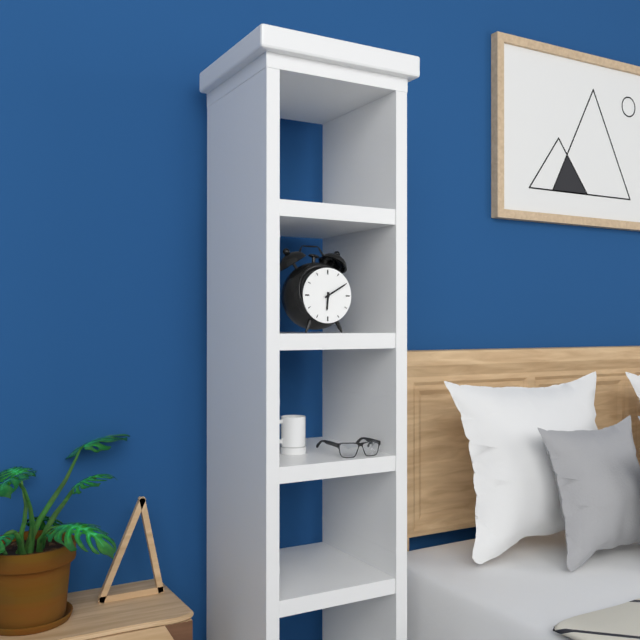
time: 6:10
